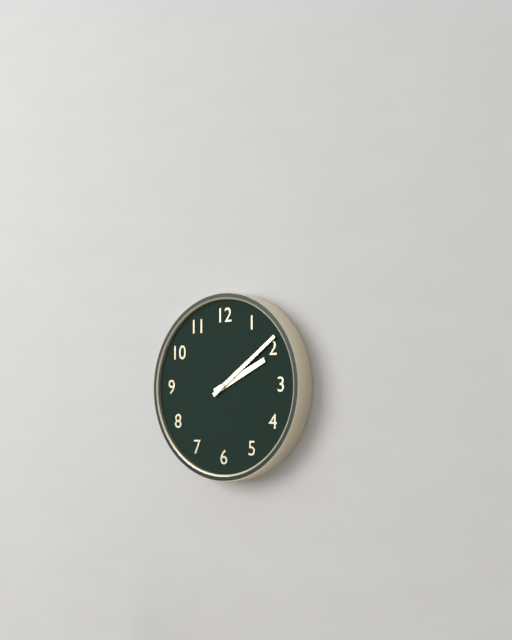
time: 2:09
